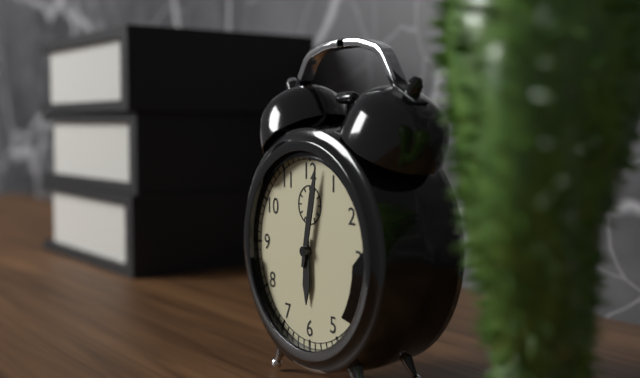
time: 6:02
